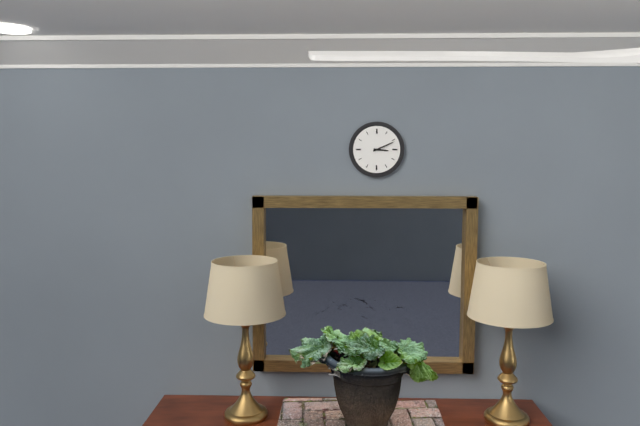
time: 3:11
